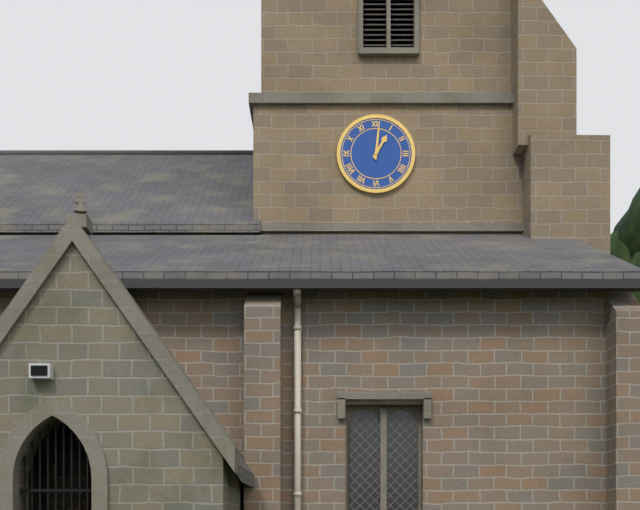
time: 1:01
